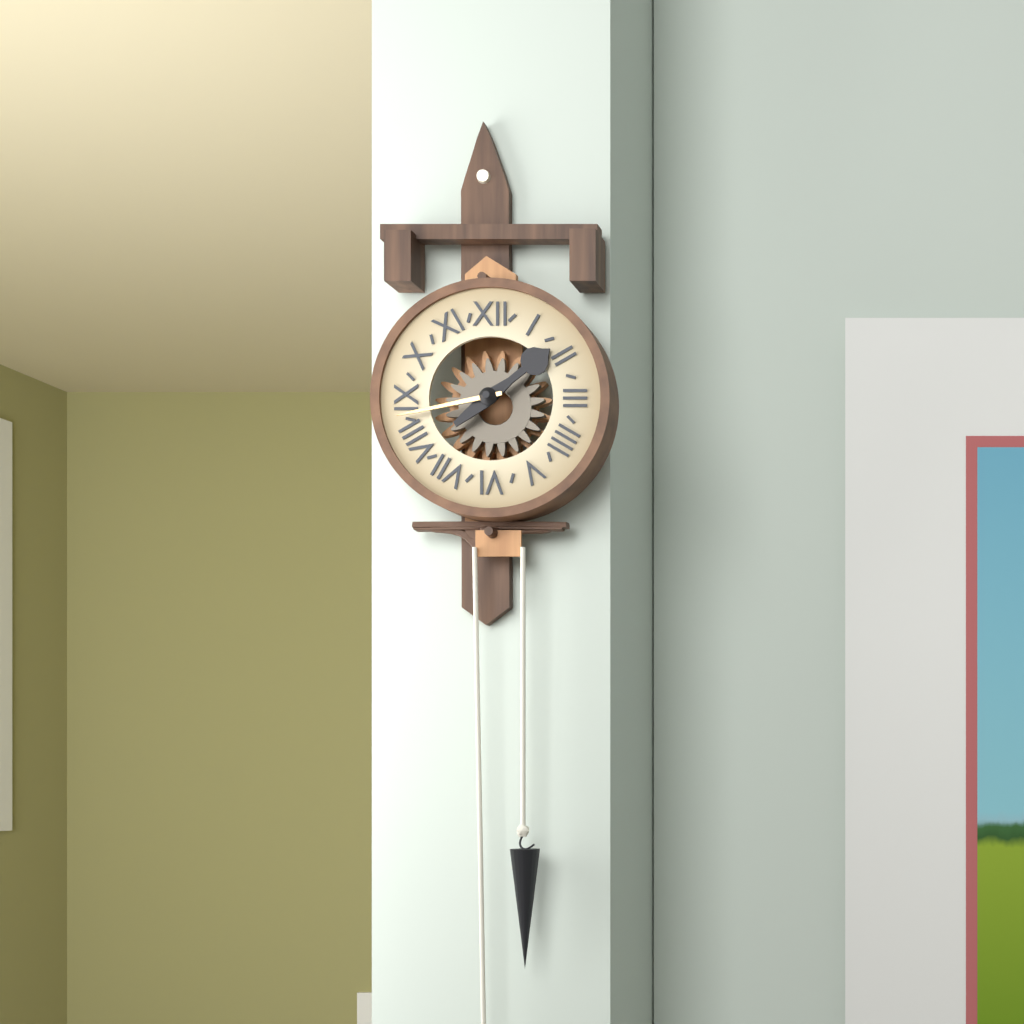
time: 1:43
